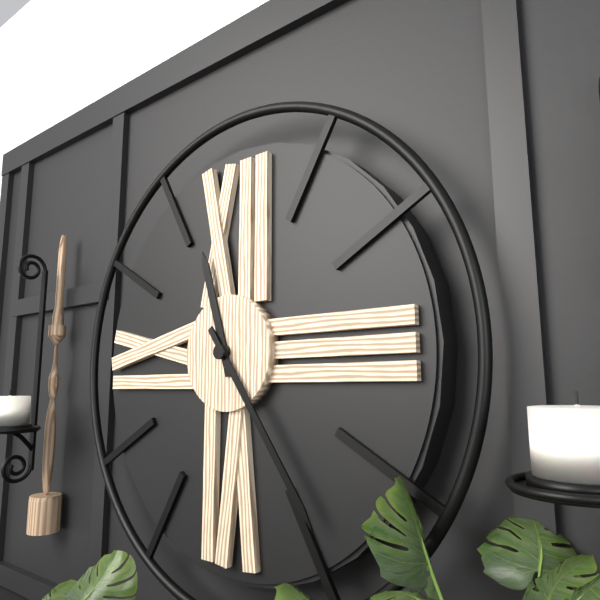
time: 11:24
